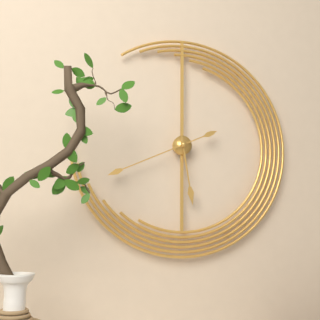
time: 5:41
